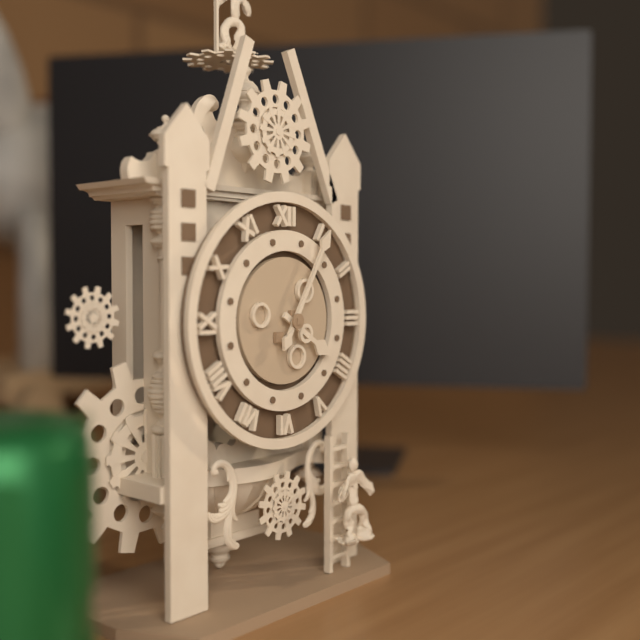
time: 4:05
